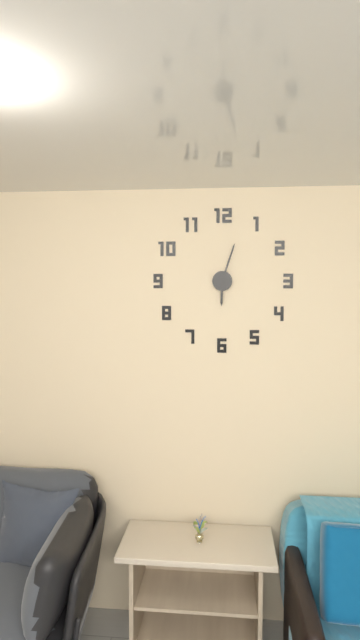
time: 6:03
